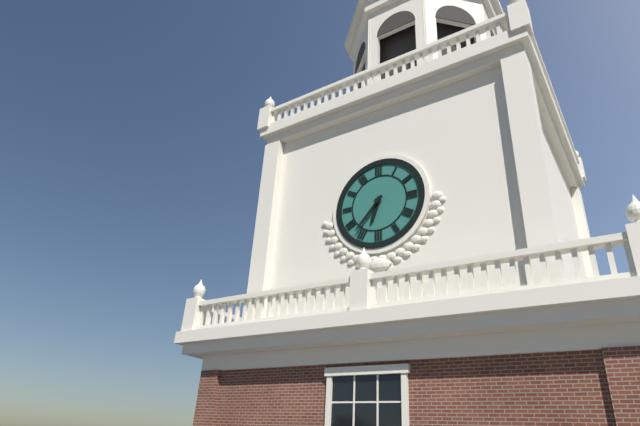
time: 6:37
